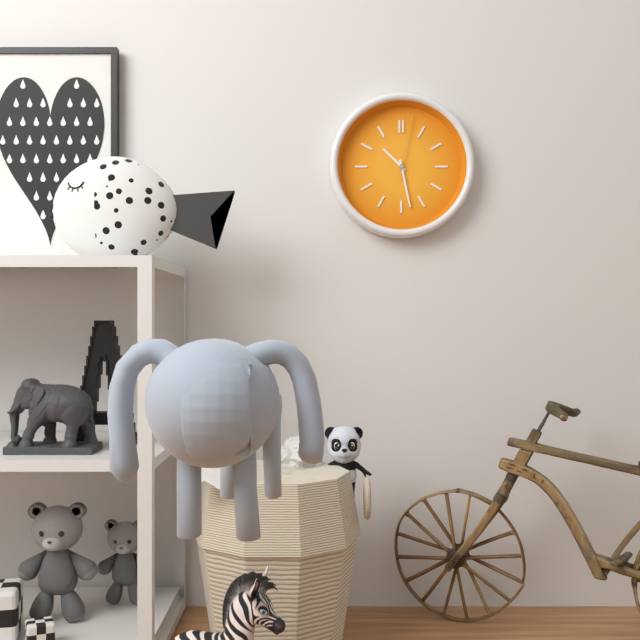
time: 10:28:02
